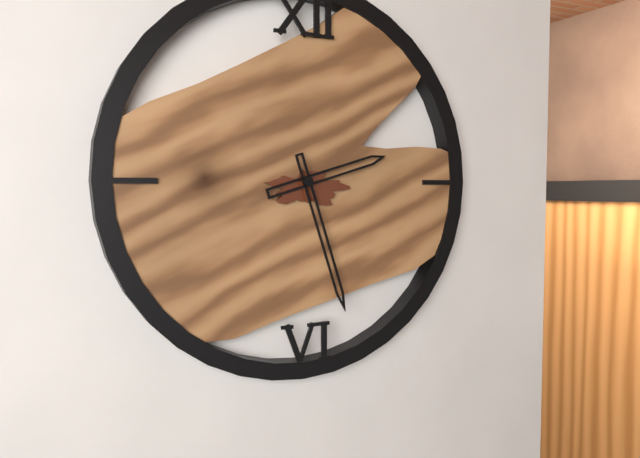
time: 2:27
